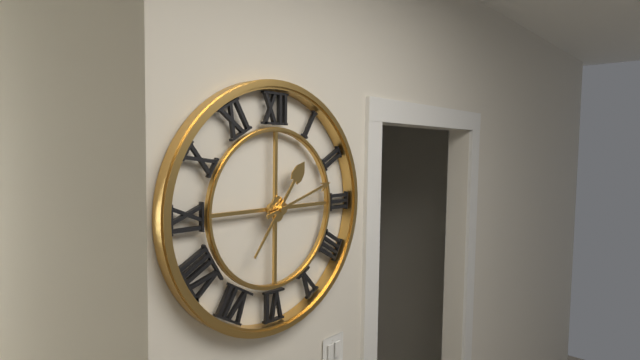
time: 1:12
